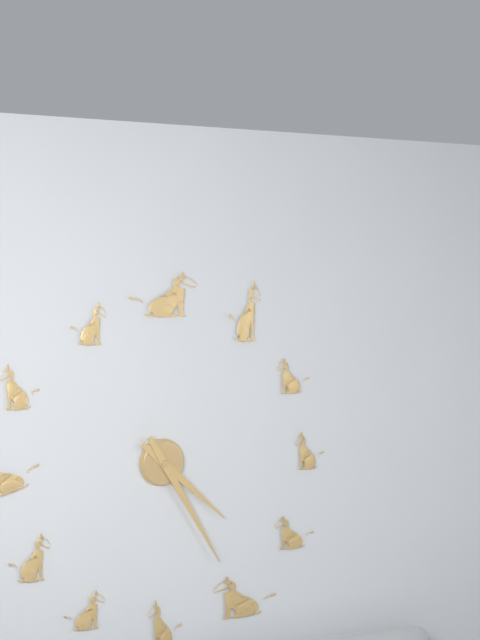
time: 4:25
